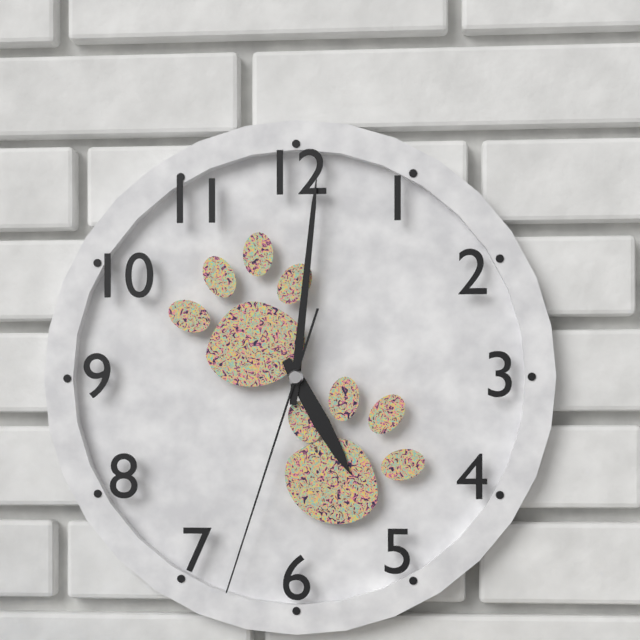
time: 5:01:33
